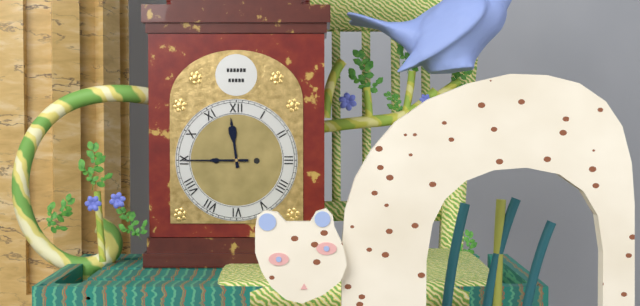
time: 11:45
